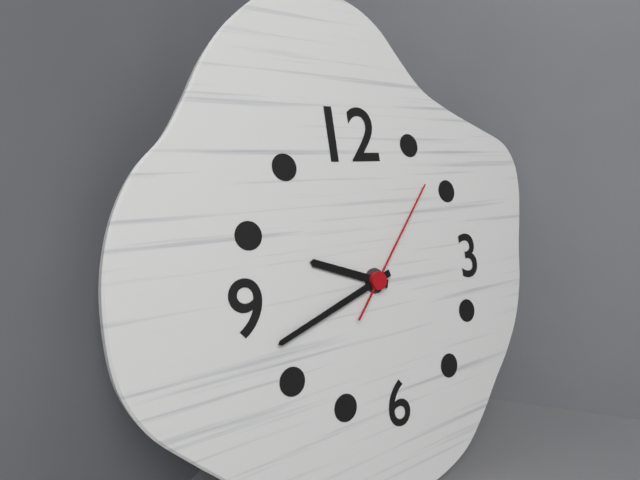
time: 9:42:07
